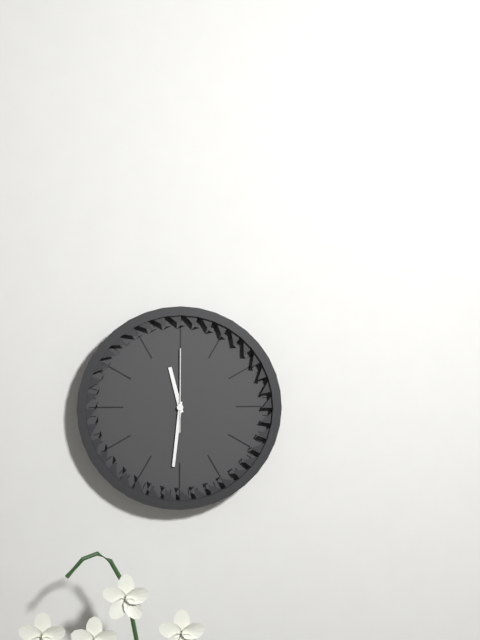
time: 11:31:00
